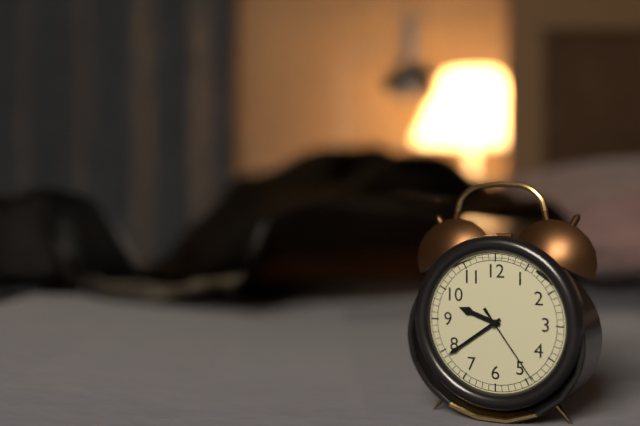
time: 9:39:24
